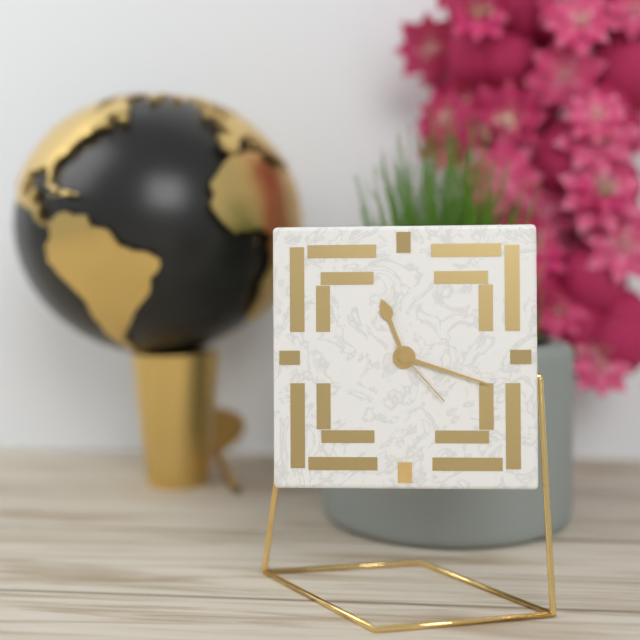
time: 11:18:23
